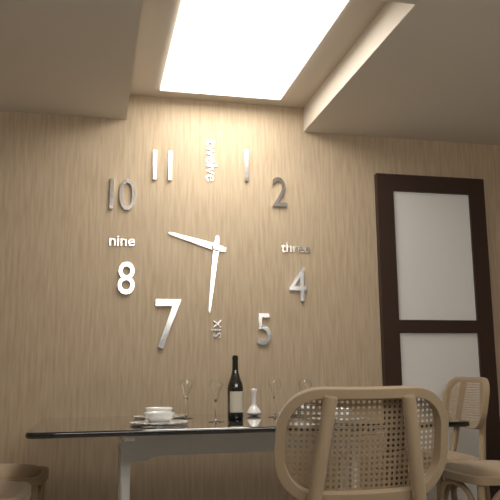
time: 9:31
